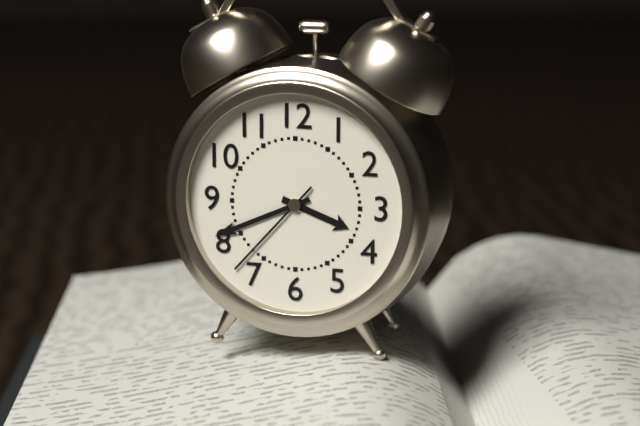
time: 3:41:37
